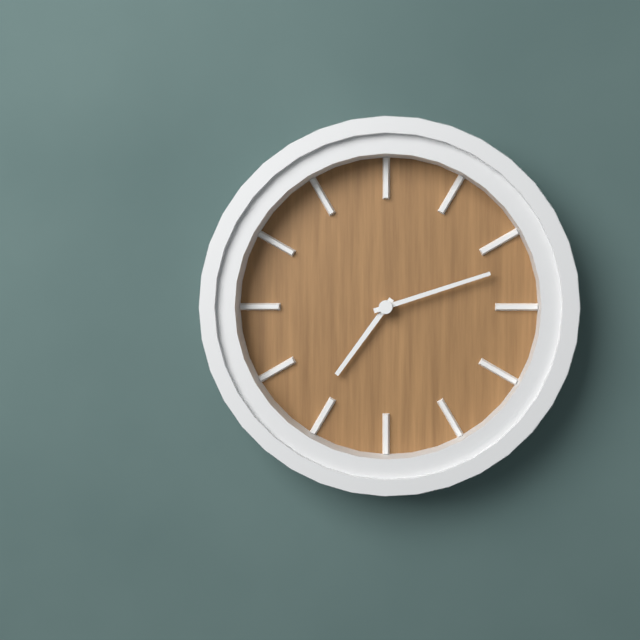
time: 7:12
